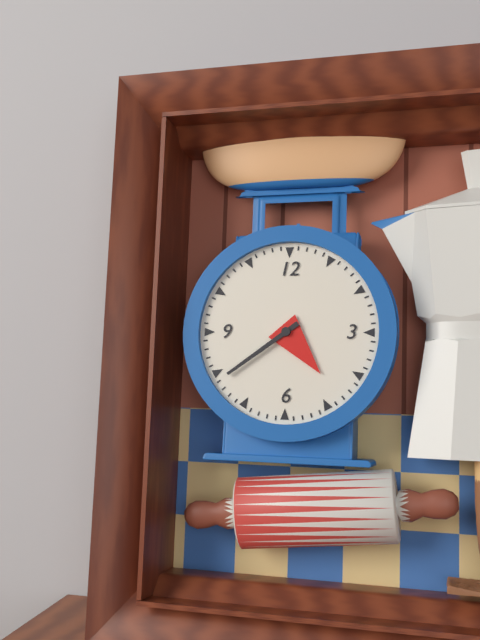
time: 4:39
